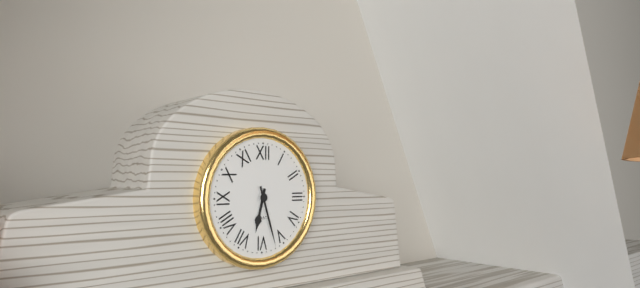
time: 6:27
